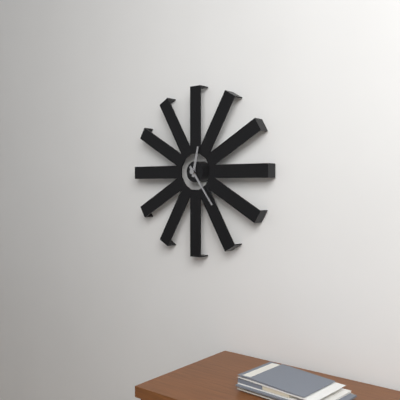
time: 12:24
